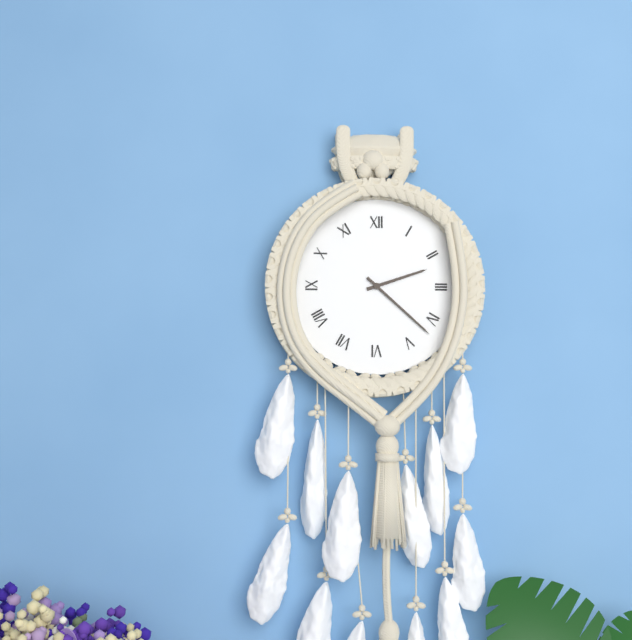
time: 2:22
